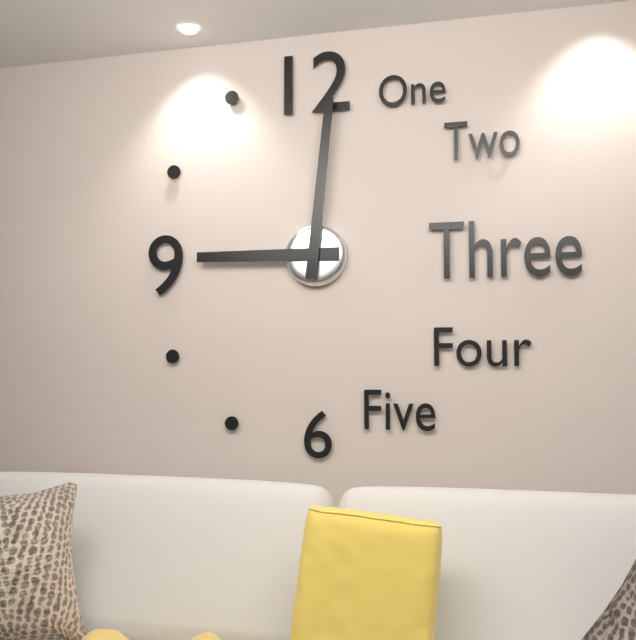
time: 9:01
